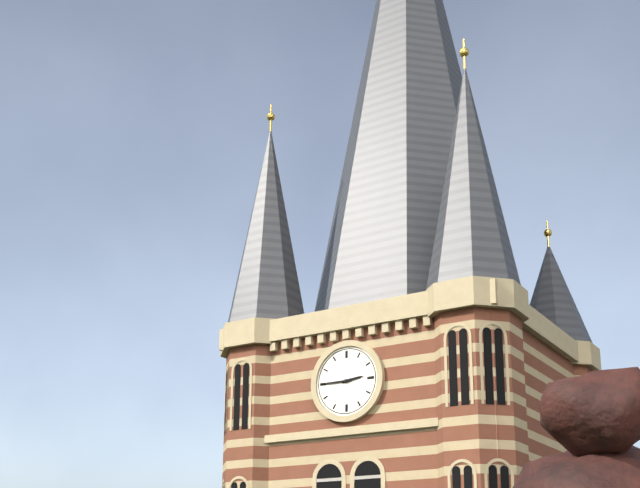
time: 2:45
